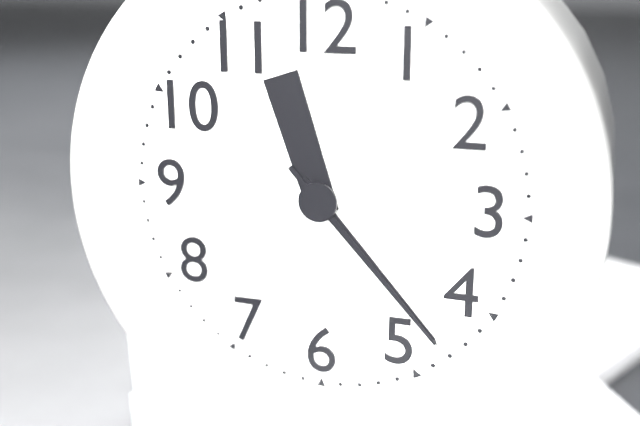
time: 11:23:23
